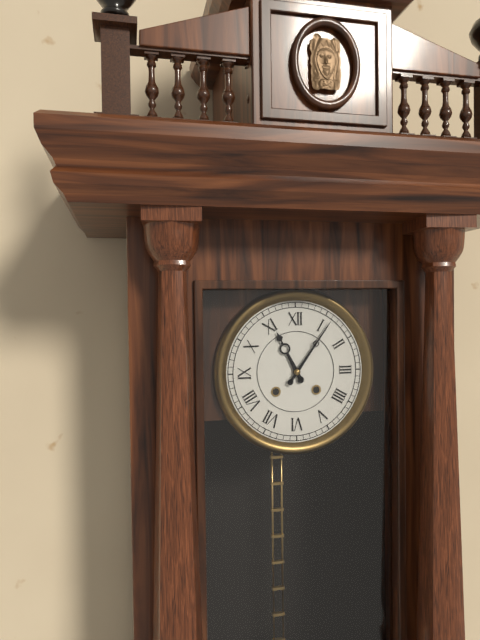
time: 11:06
